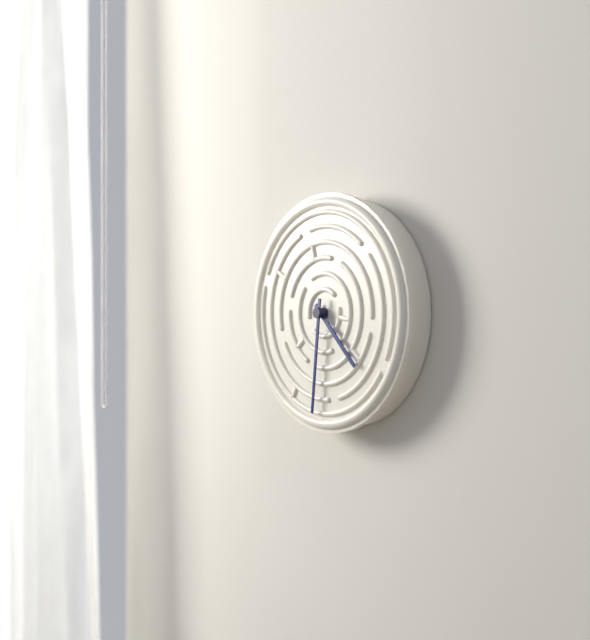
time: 4:31
